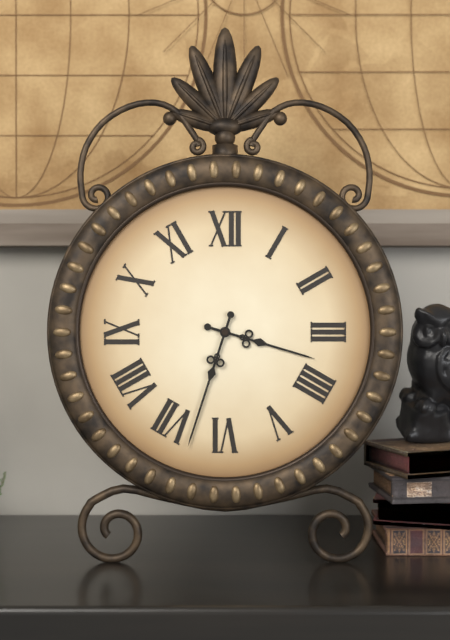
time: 3:33
